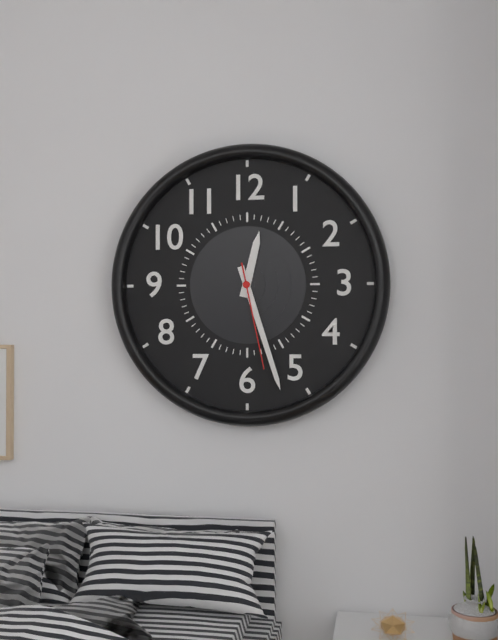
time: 12:27:28
